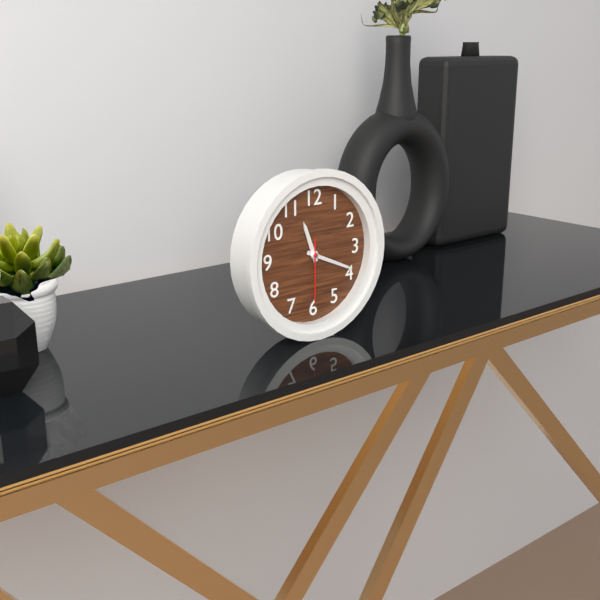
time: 11:19:30
